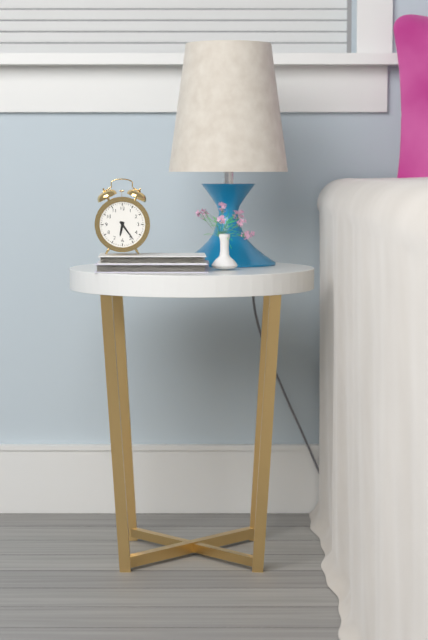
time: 6:24
